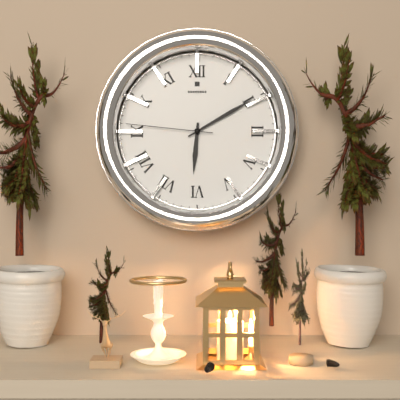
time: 6:10:46
